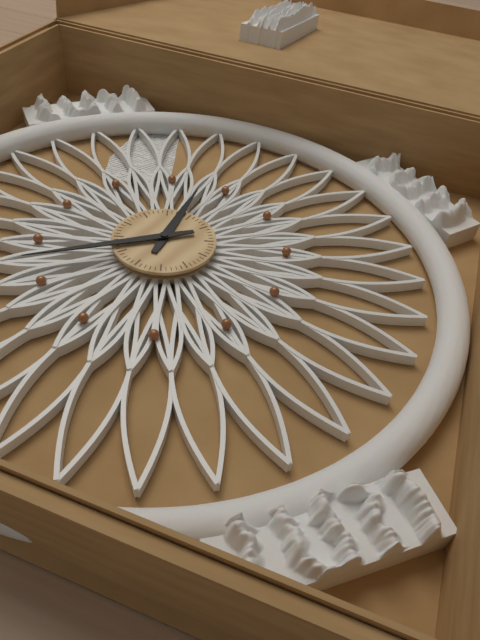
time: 11:37
